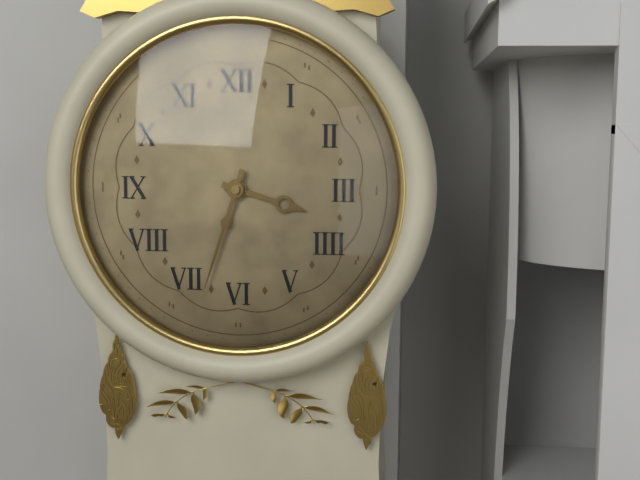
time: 3:33
